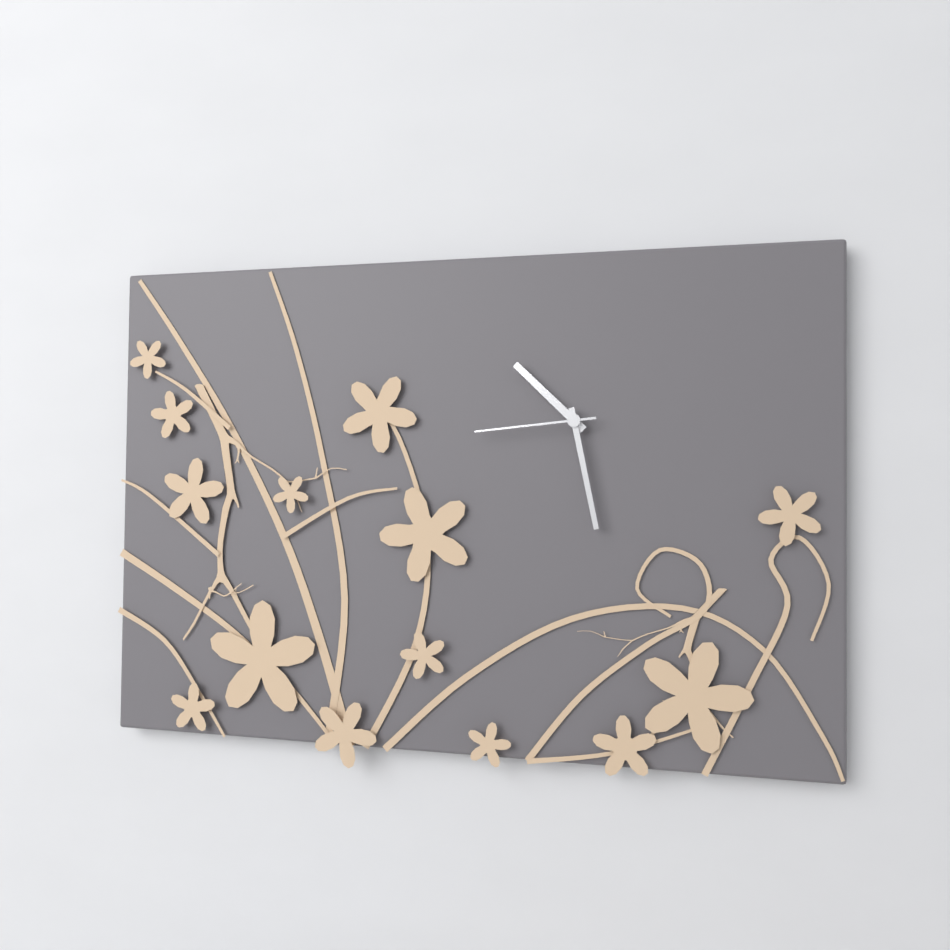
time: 10:28:44
